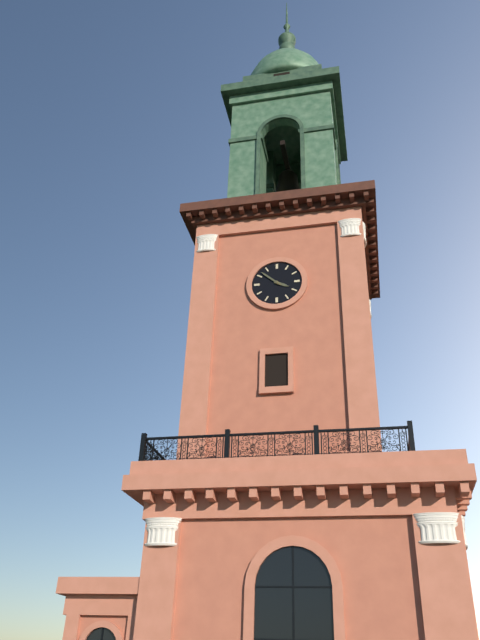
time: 3:52
